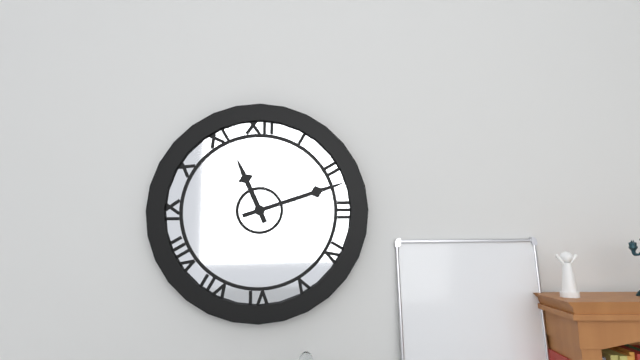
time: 11:12
